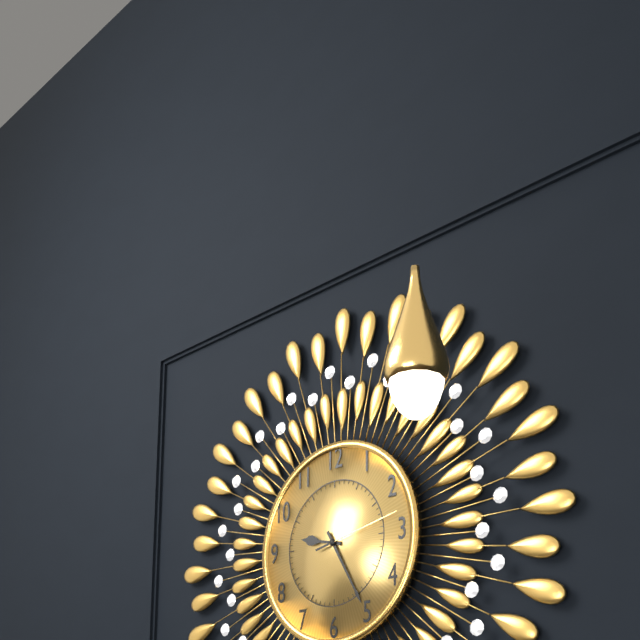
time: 9:25:13
